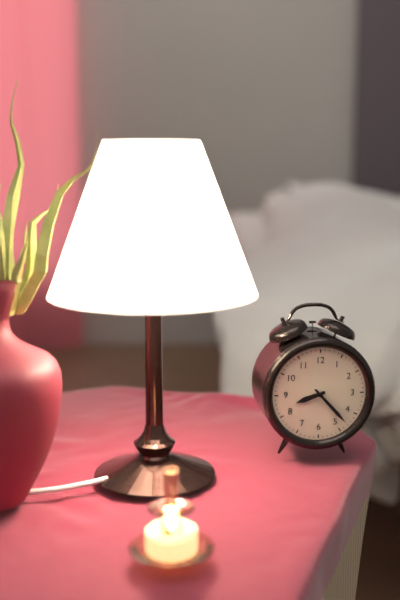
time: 8:23
